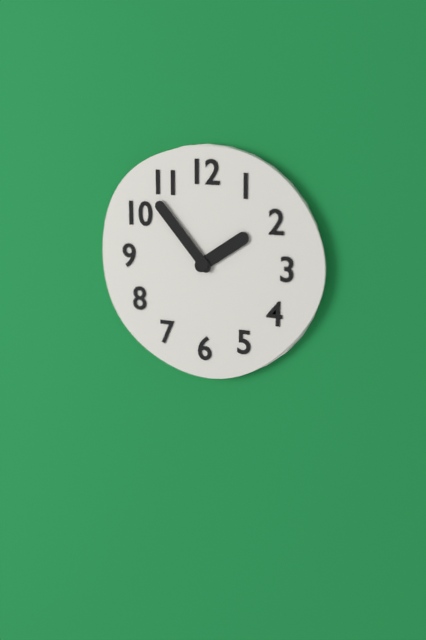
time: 1:53
